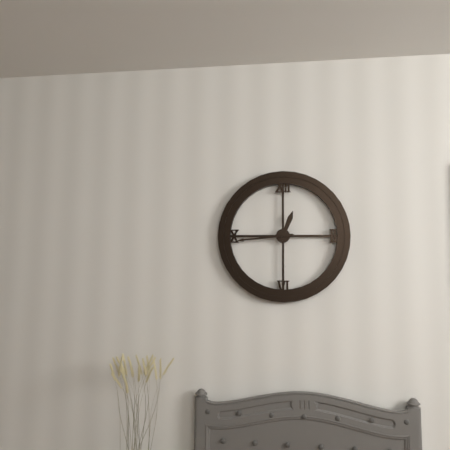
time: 12:44
